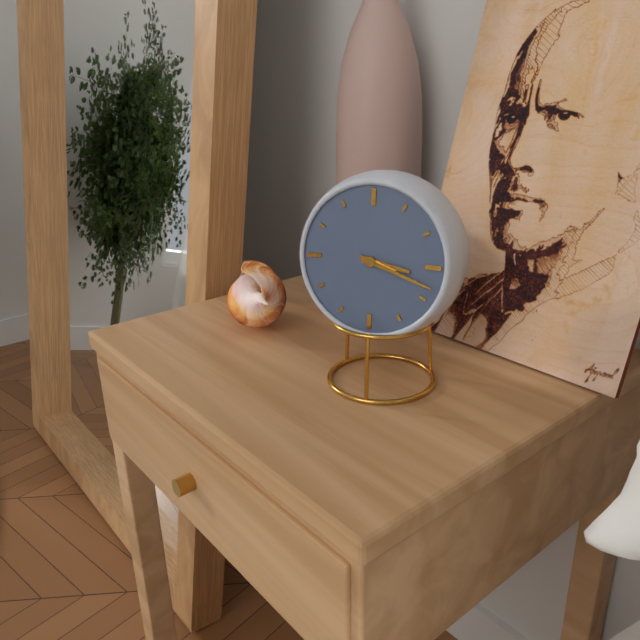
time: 3:18
